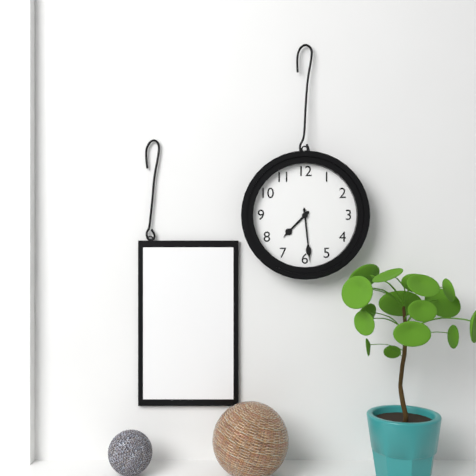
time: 7:29
